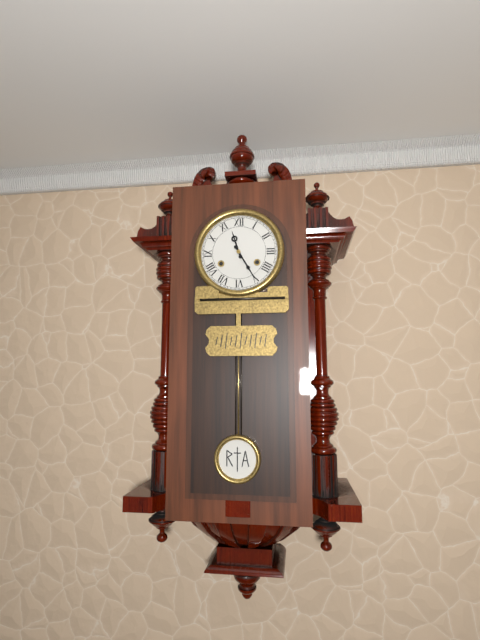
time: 11:25
